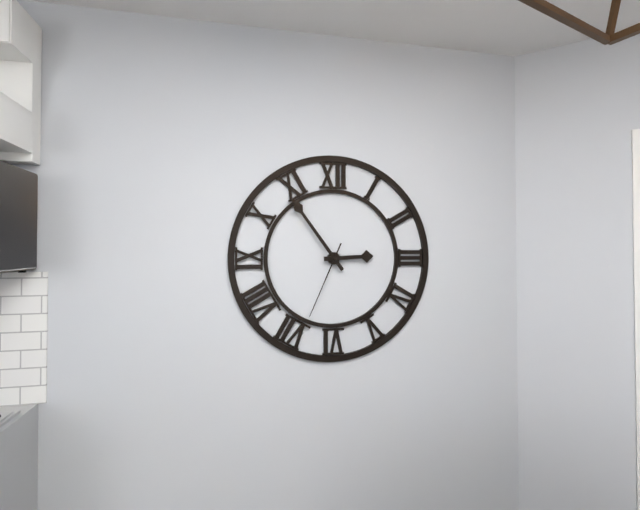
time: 2:54:34
